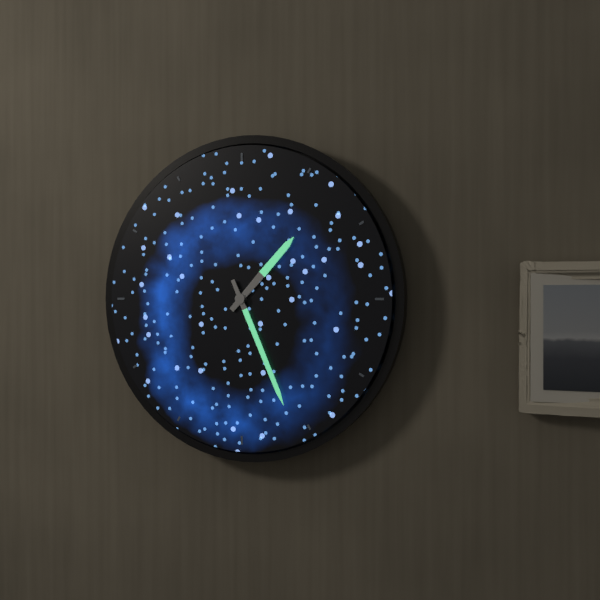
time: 1:26
